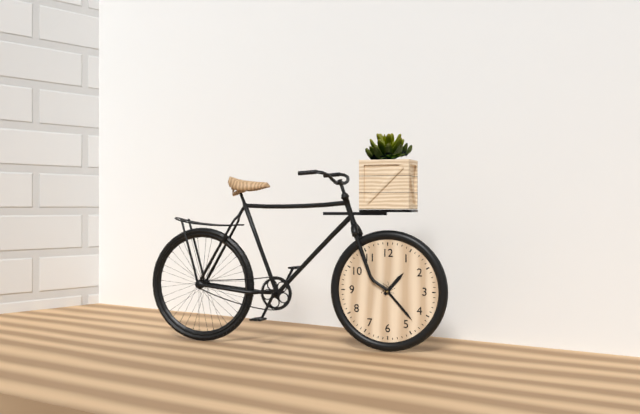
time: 1:23
